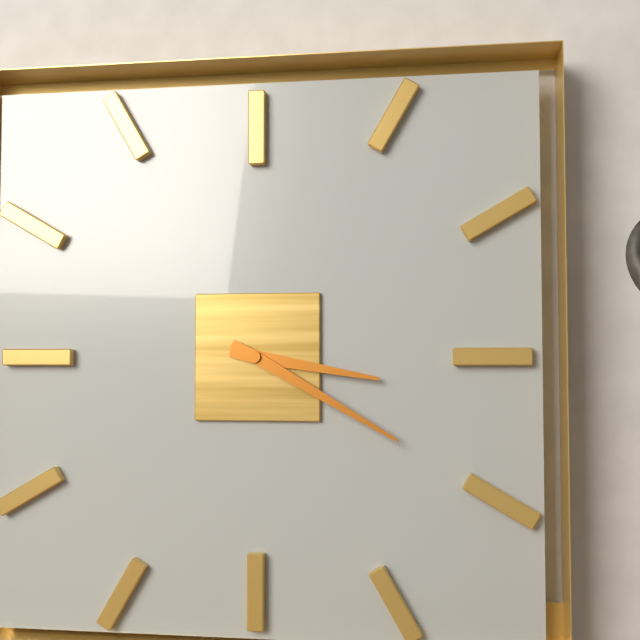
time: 3:20
